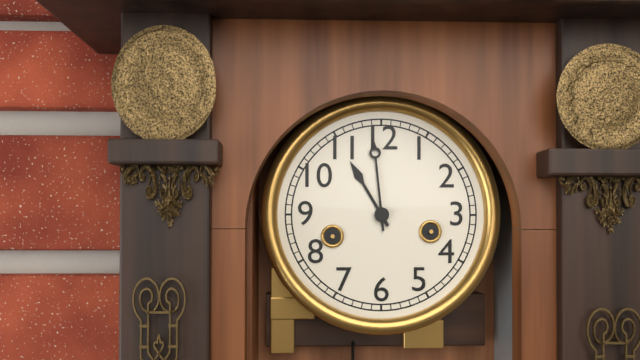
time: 10:59
